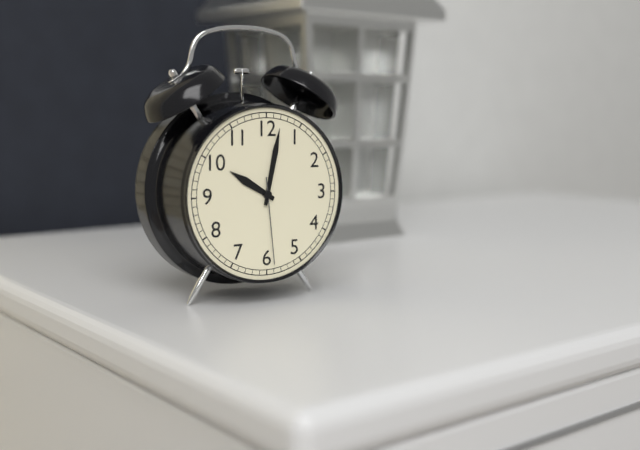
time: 10:02:29
